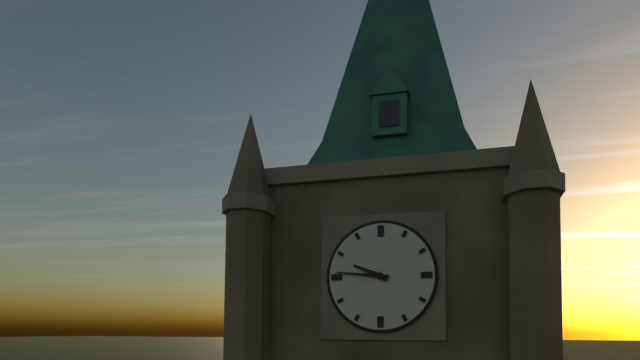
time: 9:46
